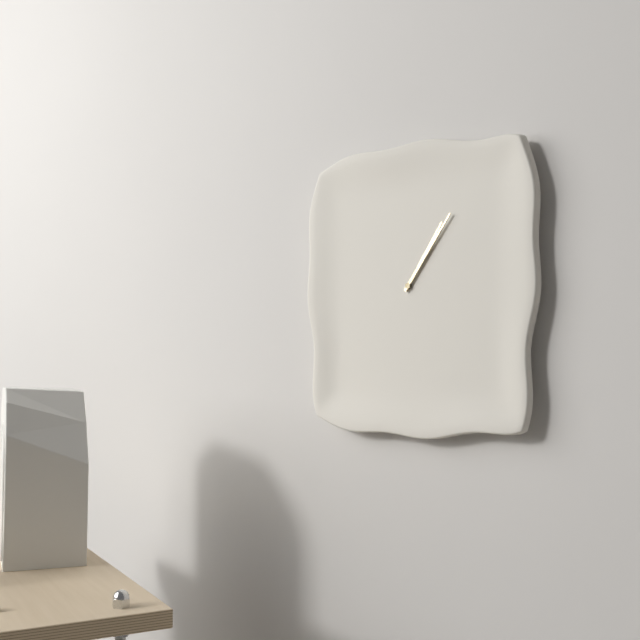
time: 1:06
